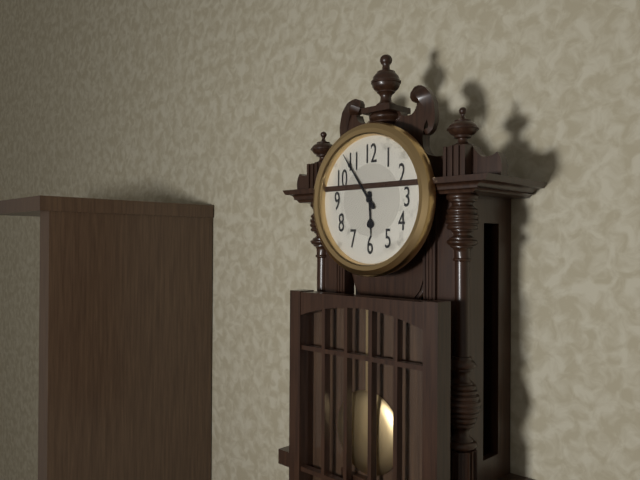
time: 5:54
